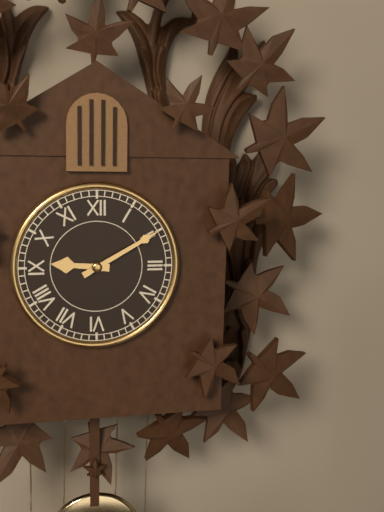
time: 9:10
